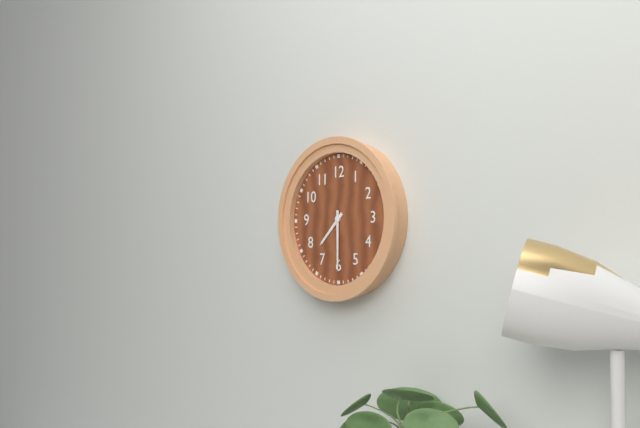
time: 7:30
